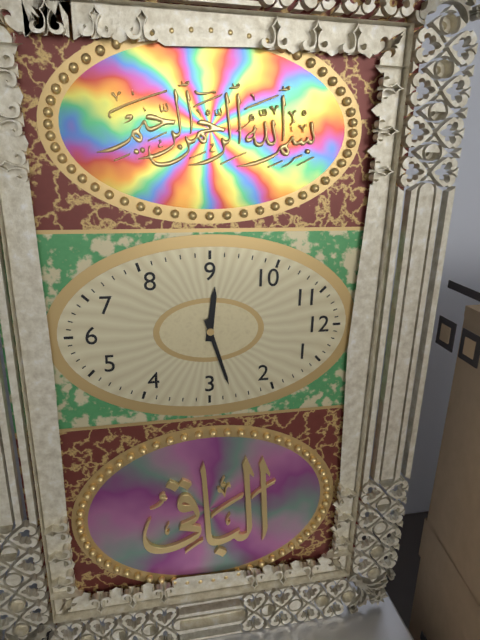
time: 9:12
